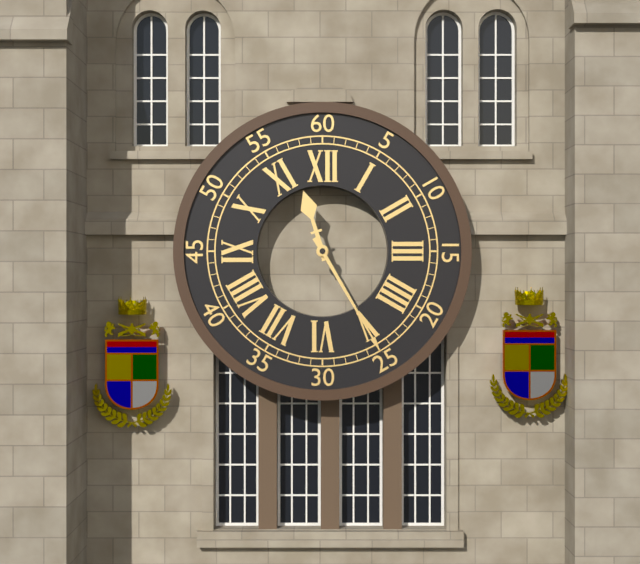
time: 11:25
